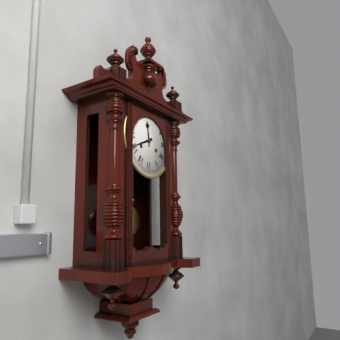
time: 11:41
